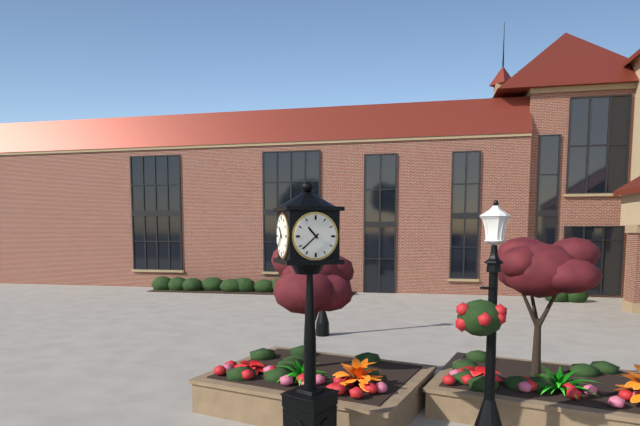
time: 10:38
